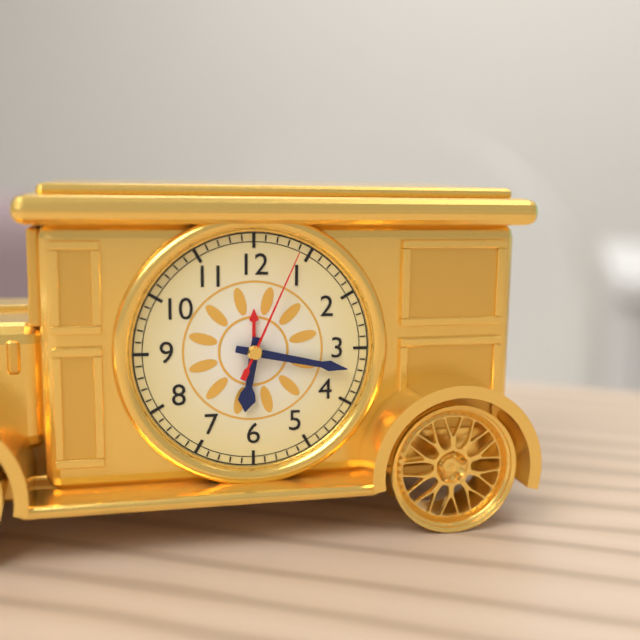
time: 6:17:04
